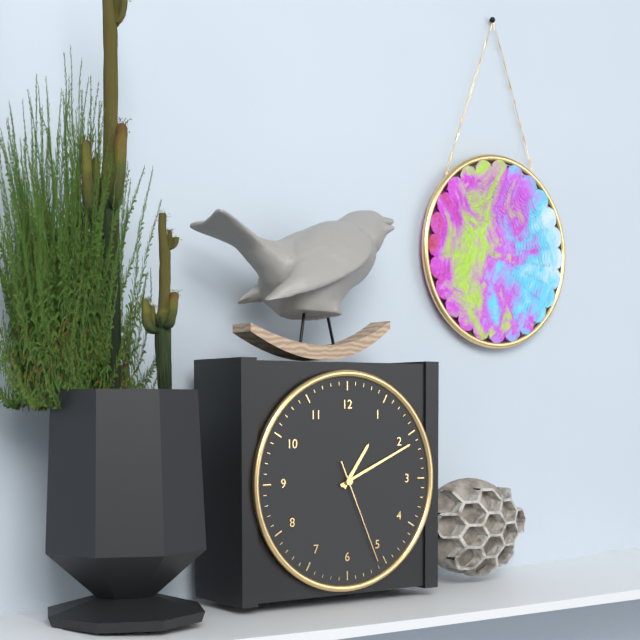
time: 1:11:26
